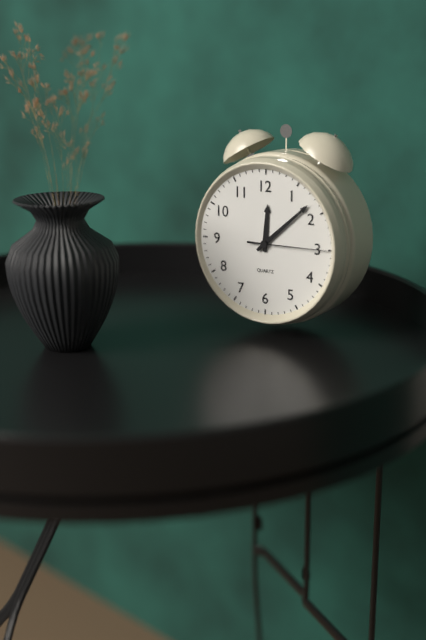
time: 12:08:15
